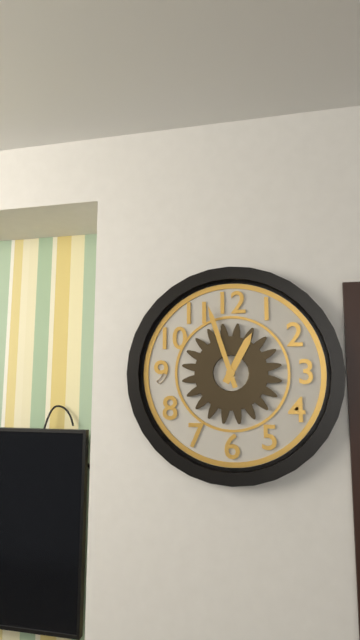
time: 12:57
